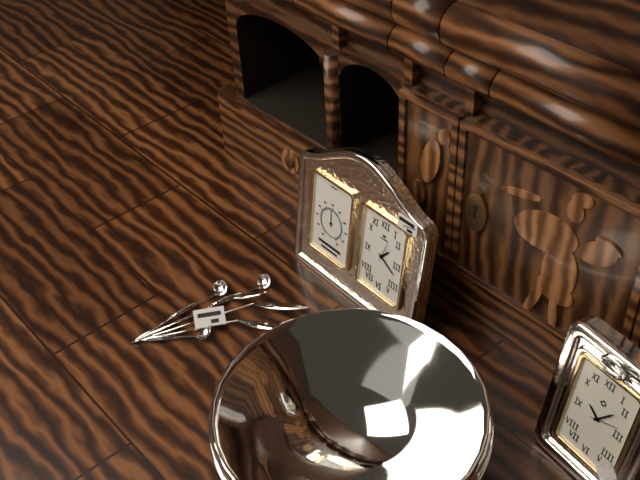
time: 1:20
